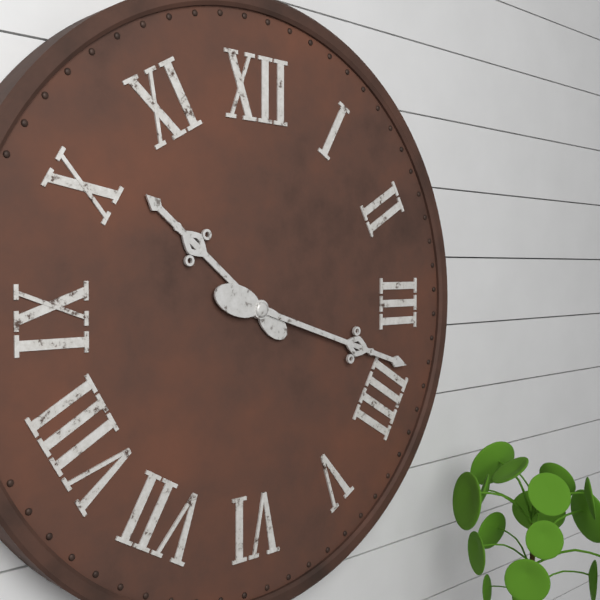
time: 10:18
